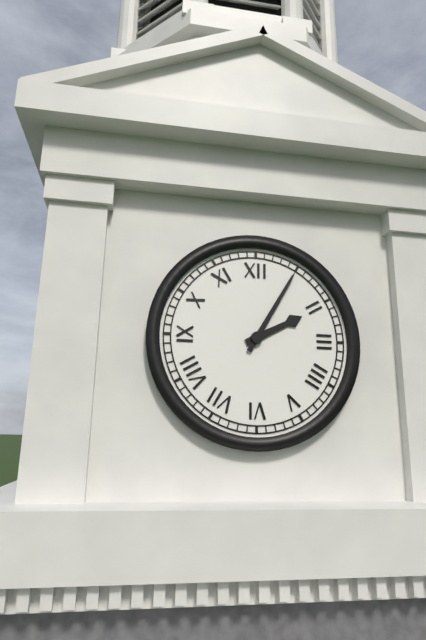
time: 2:05
